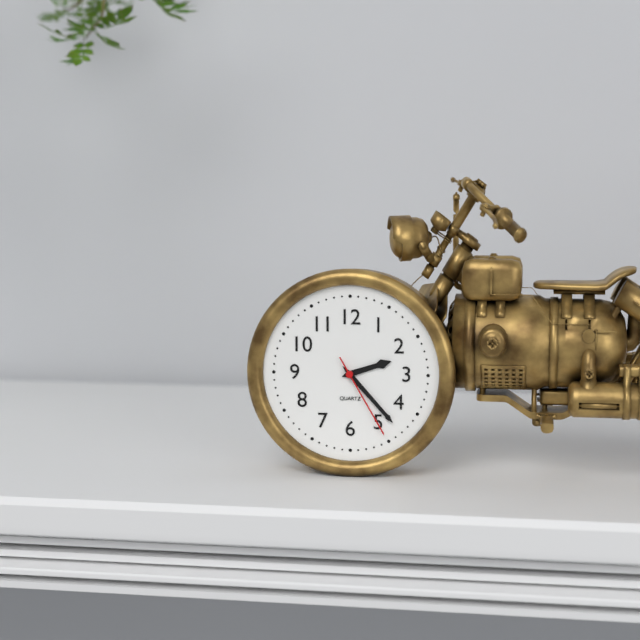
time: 2:23:25
